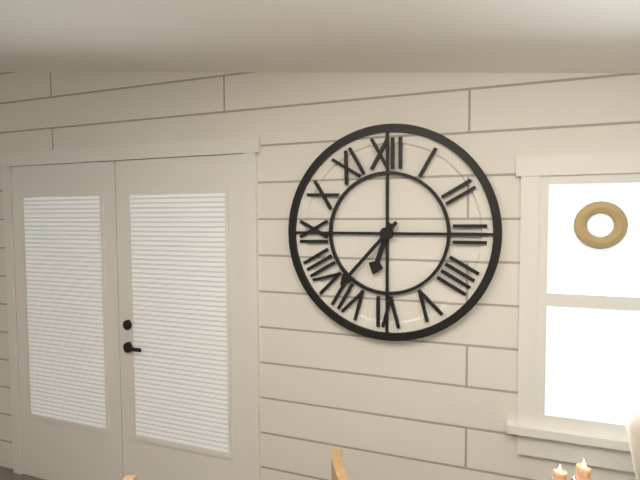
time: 6:37
